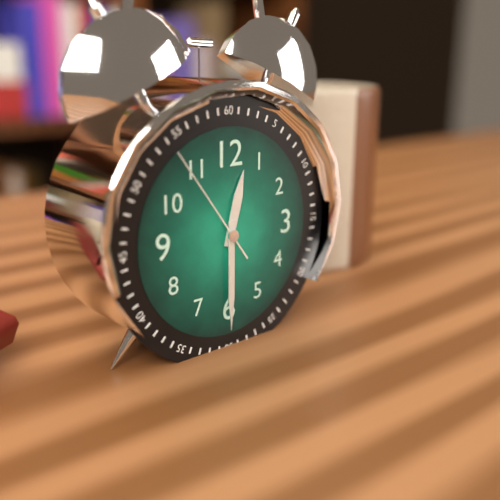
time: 12:30:54
